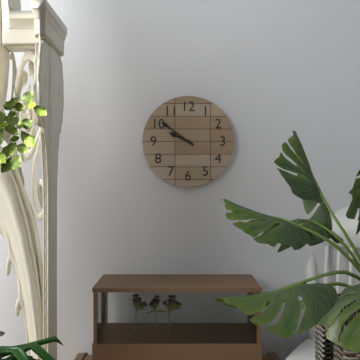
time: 9:51
